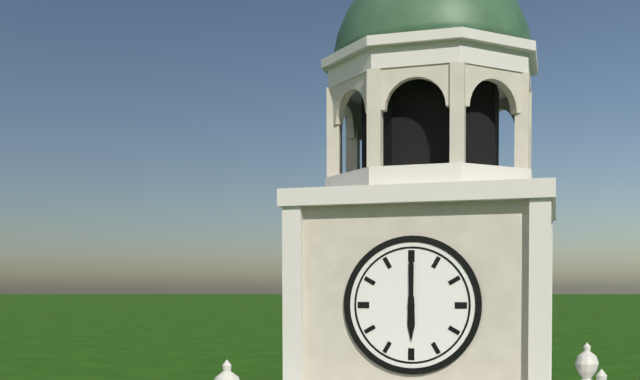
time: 6:00
